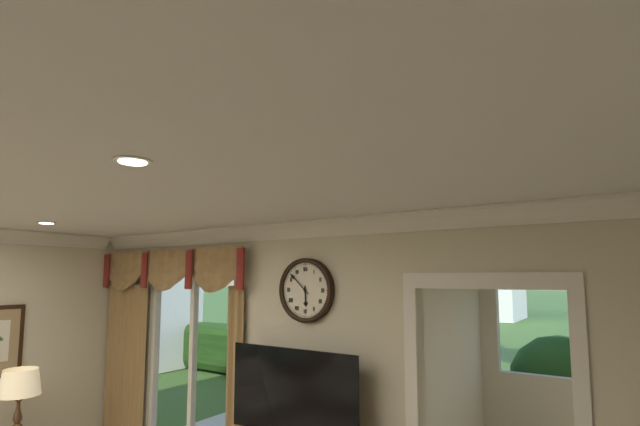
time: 5:52
